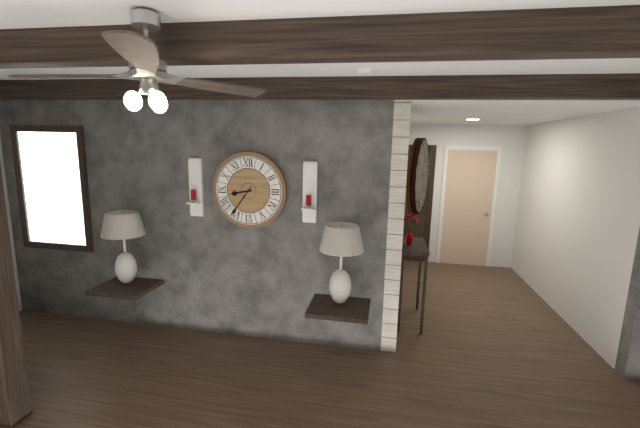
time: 8:36
